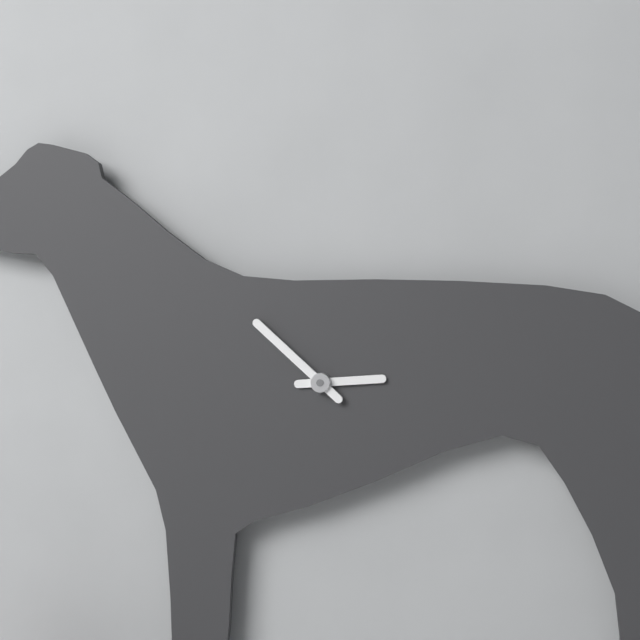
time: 2:52
